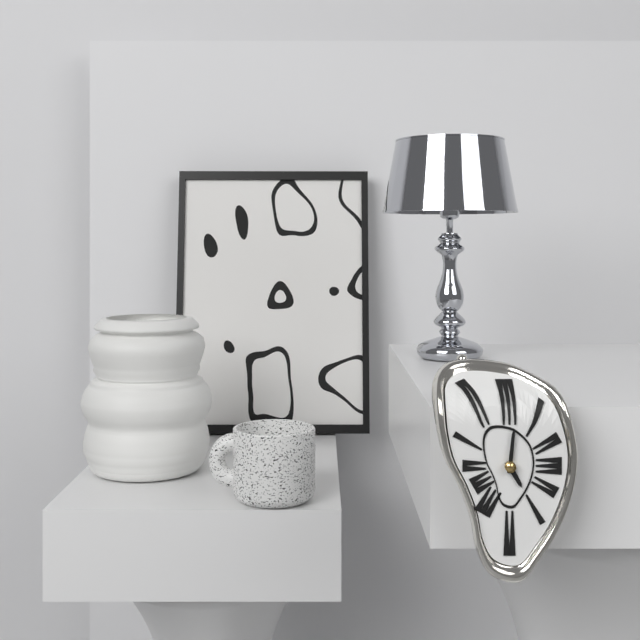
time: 5:01
